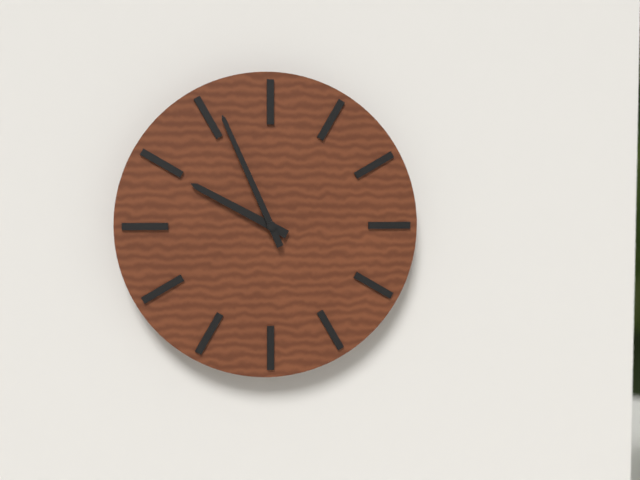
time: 9:56
